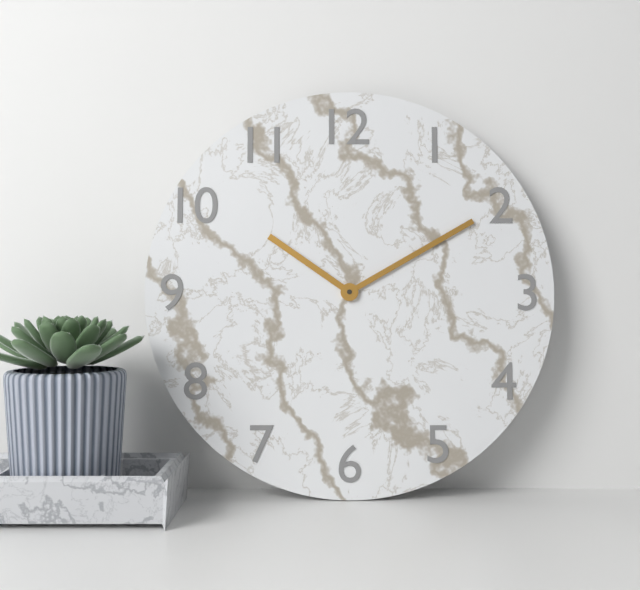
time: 10:10
